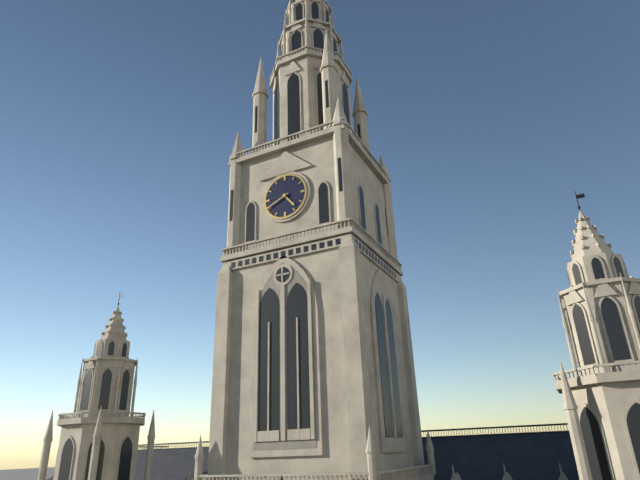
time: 4:41
